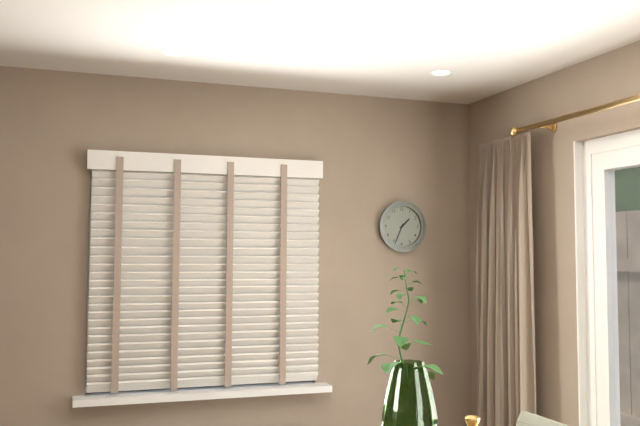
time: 1:34
